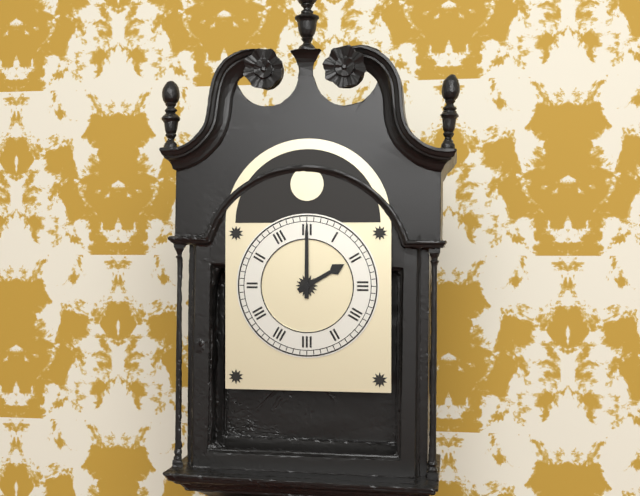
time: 2:00
